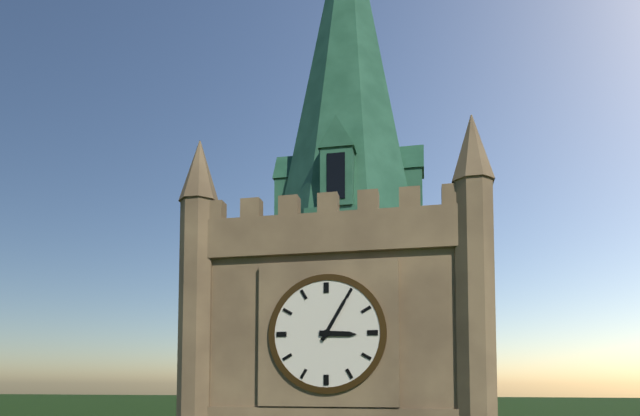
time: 3:05
